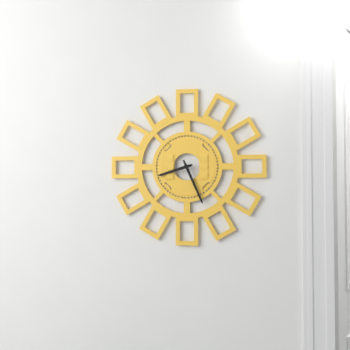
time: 8:26
